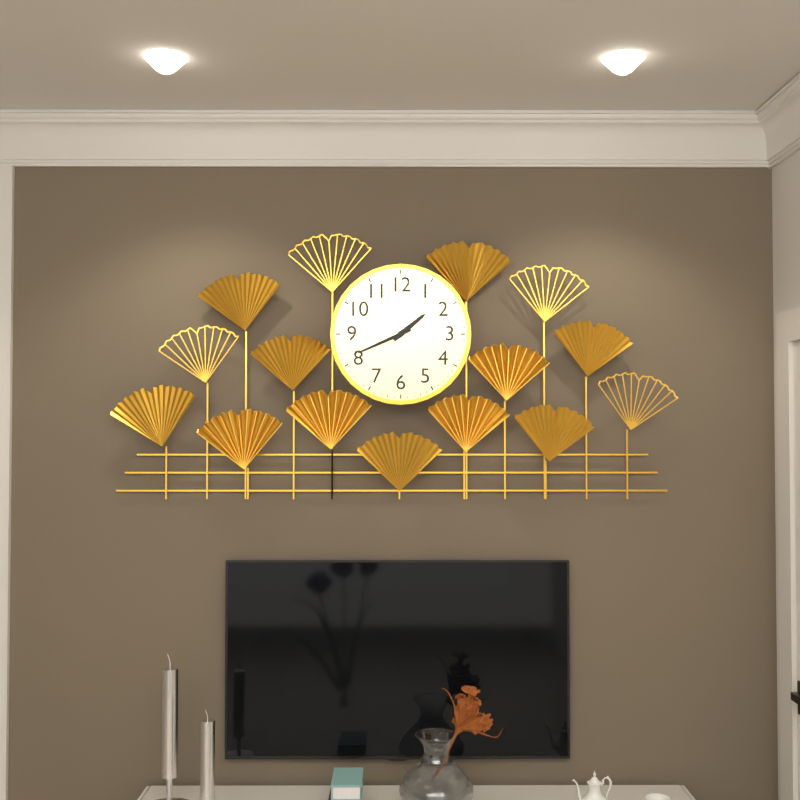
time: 1:41
